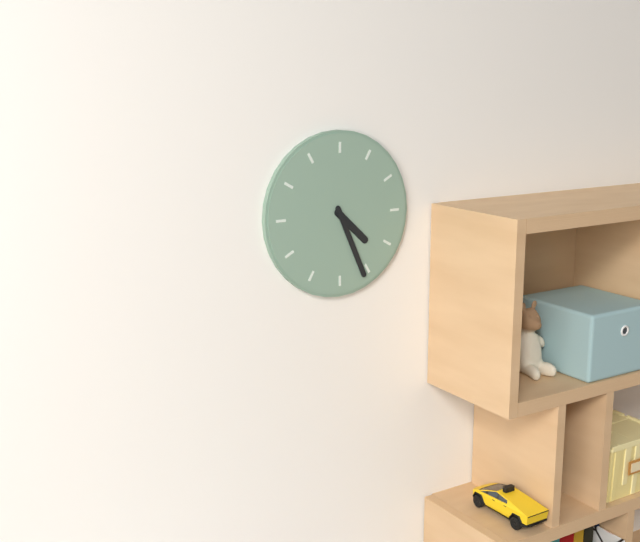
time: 4:26
